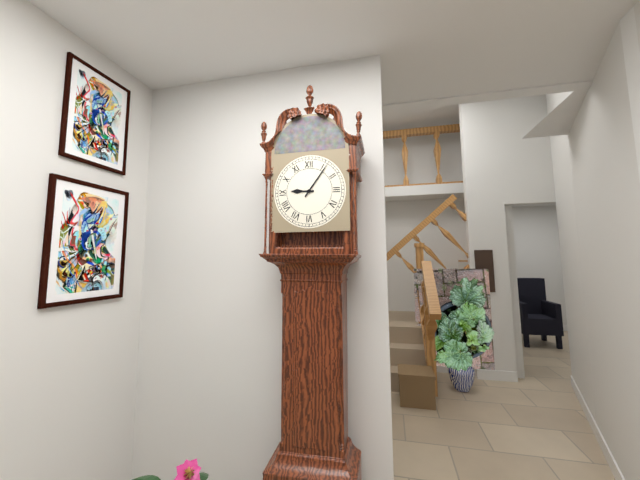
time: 9:06
